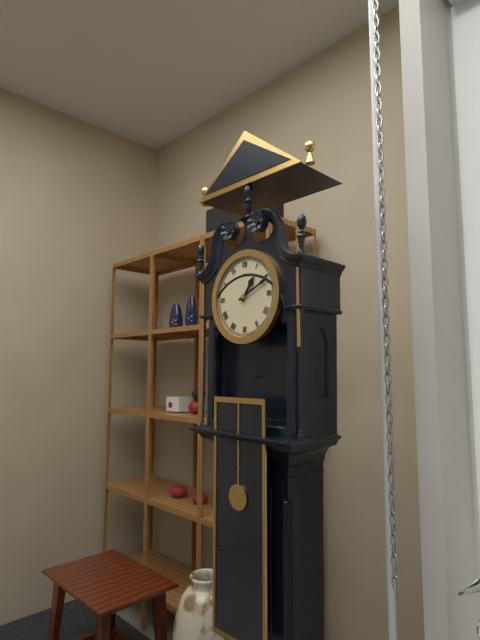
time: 1:11
